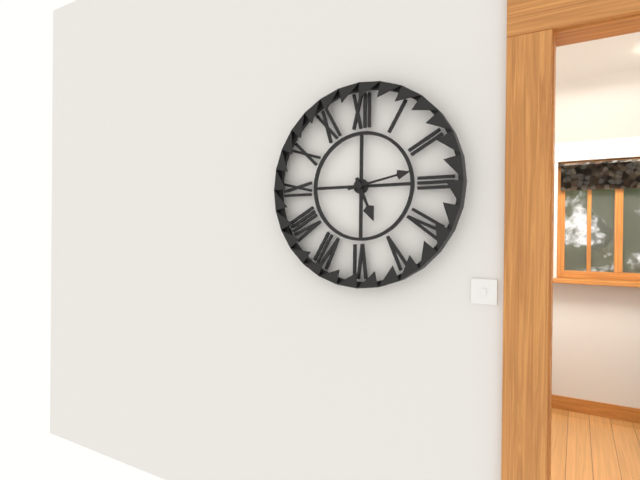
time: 5:13
